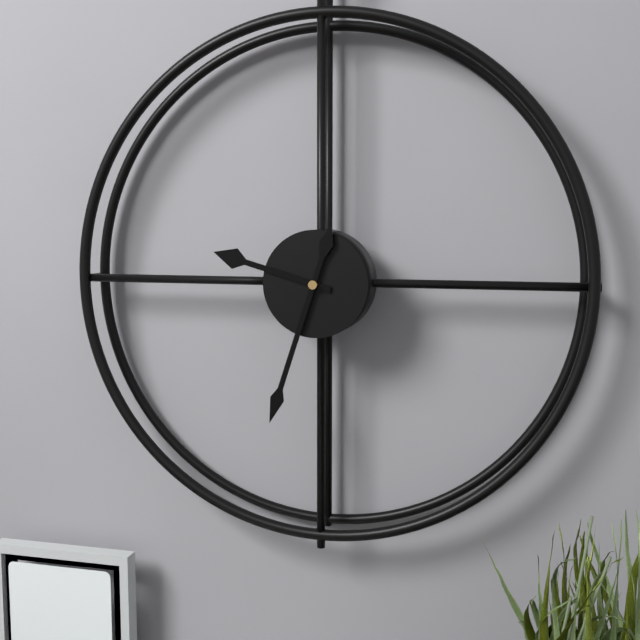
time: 9:33
